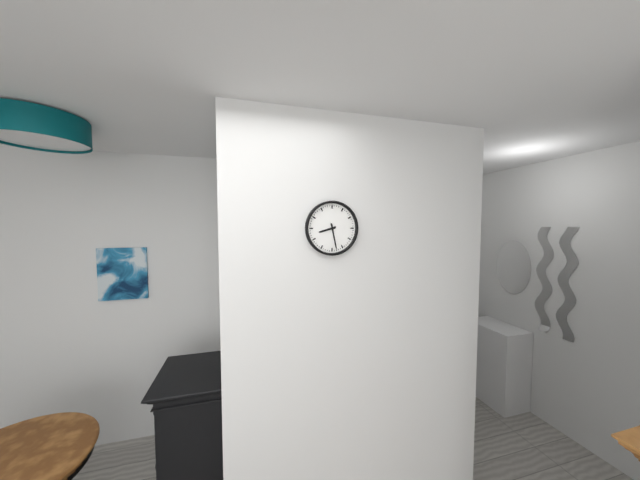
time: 8:28
